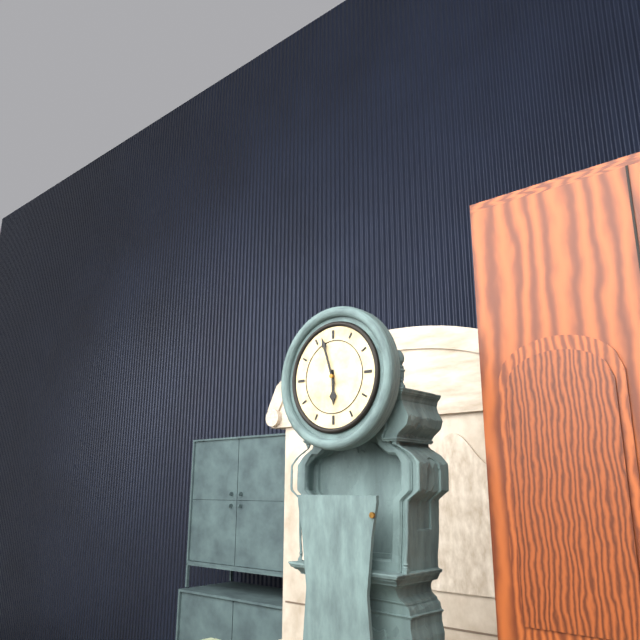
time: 5:57
